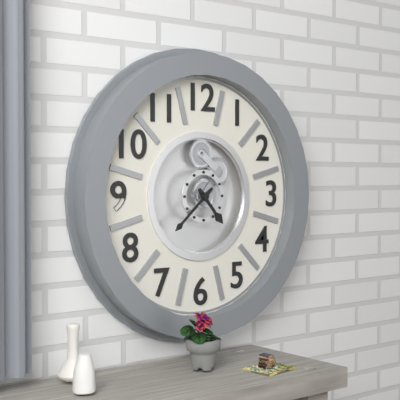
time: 4:38
